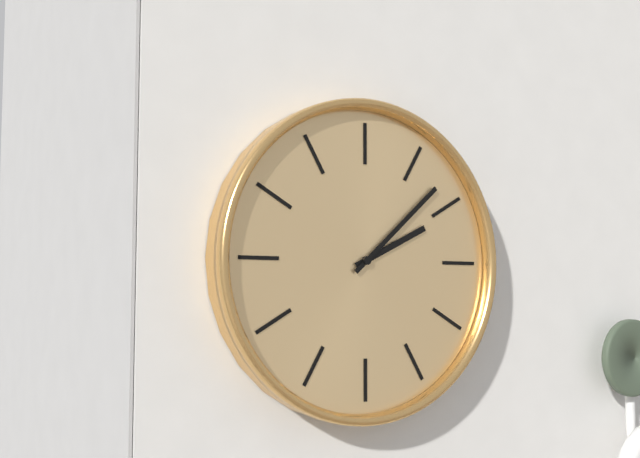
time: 2:08
